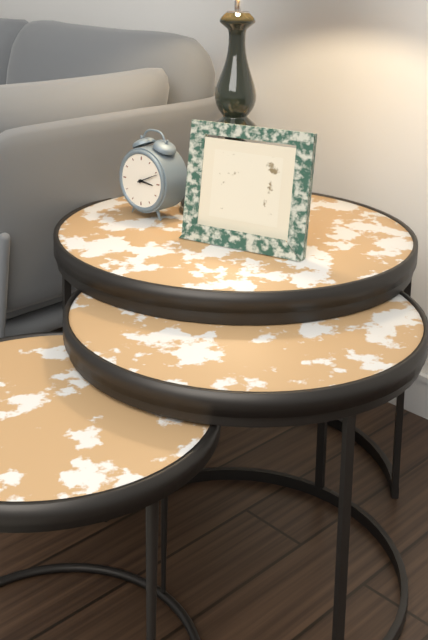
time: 3:11
